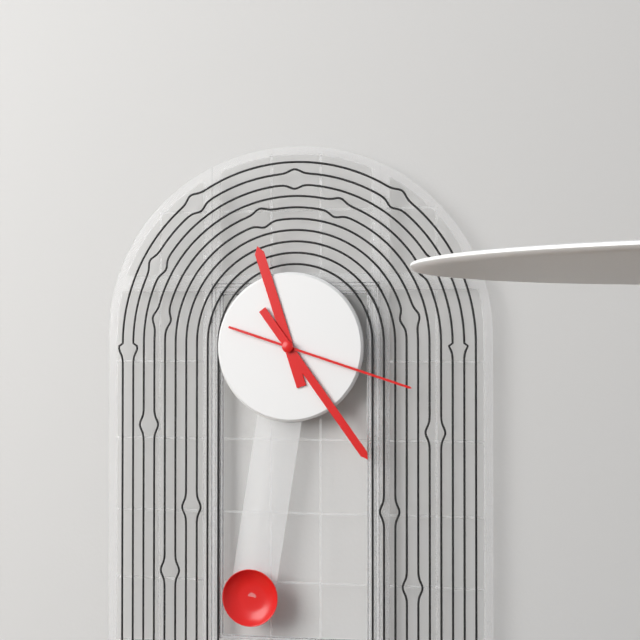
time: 11:24:18
